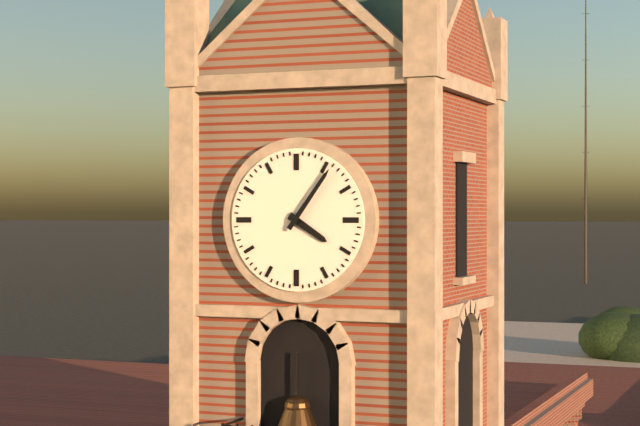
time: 4:06
